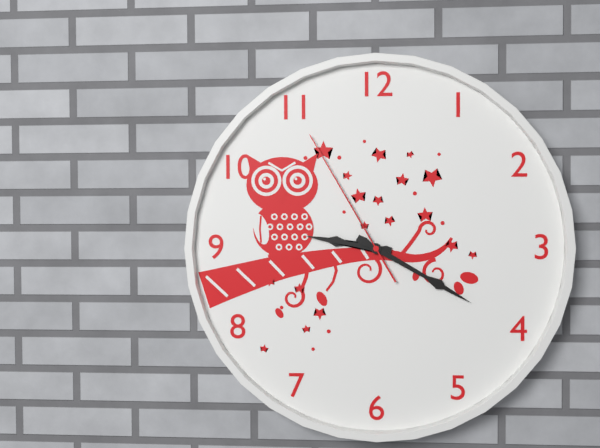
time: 9:20:55
